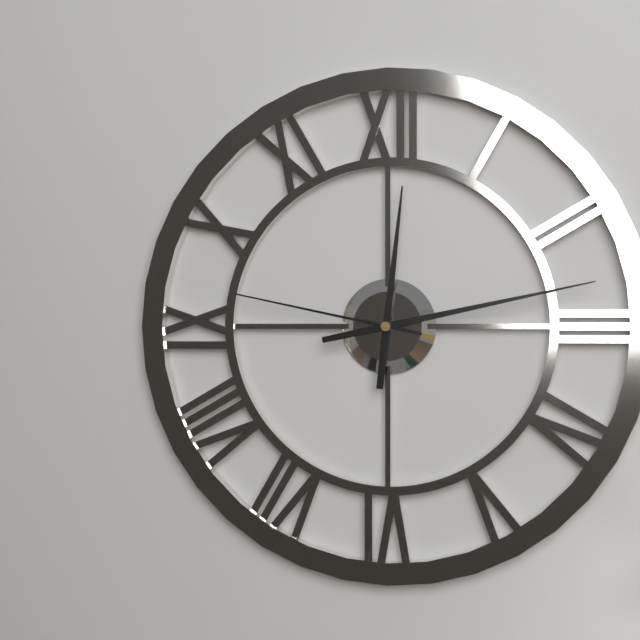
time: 12:13:47
